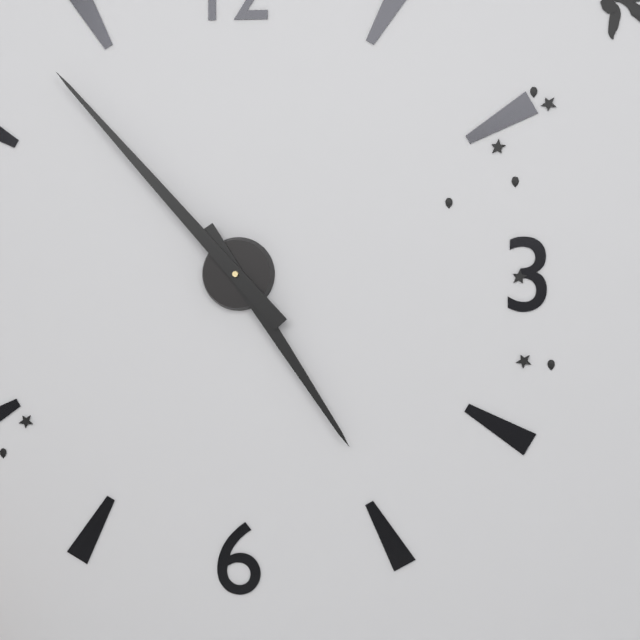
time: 4:53
